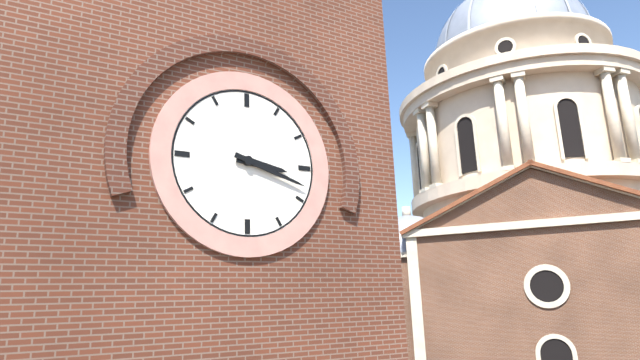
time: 3:18
